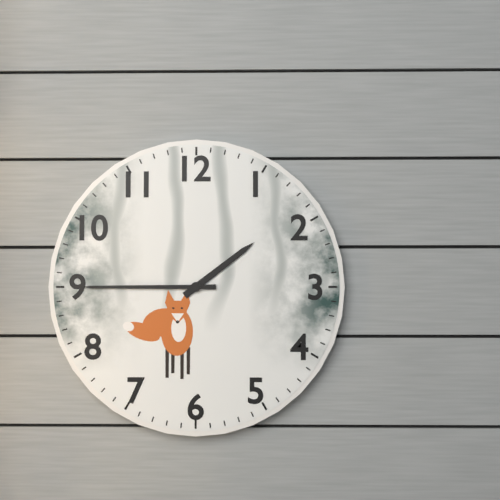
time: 1:45
